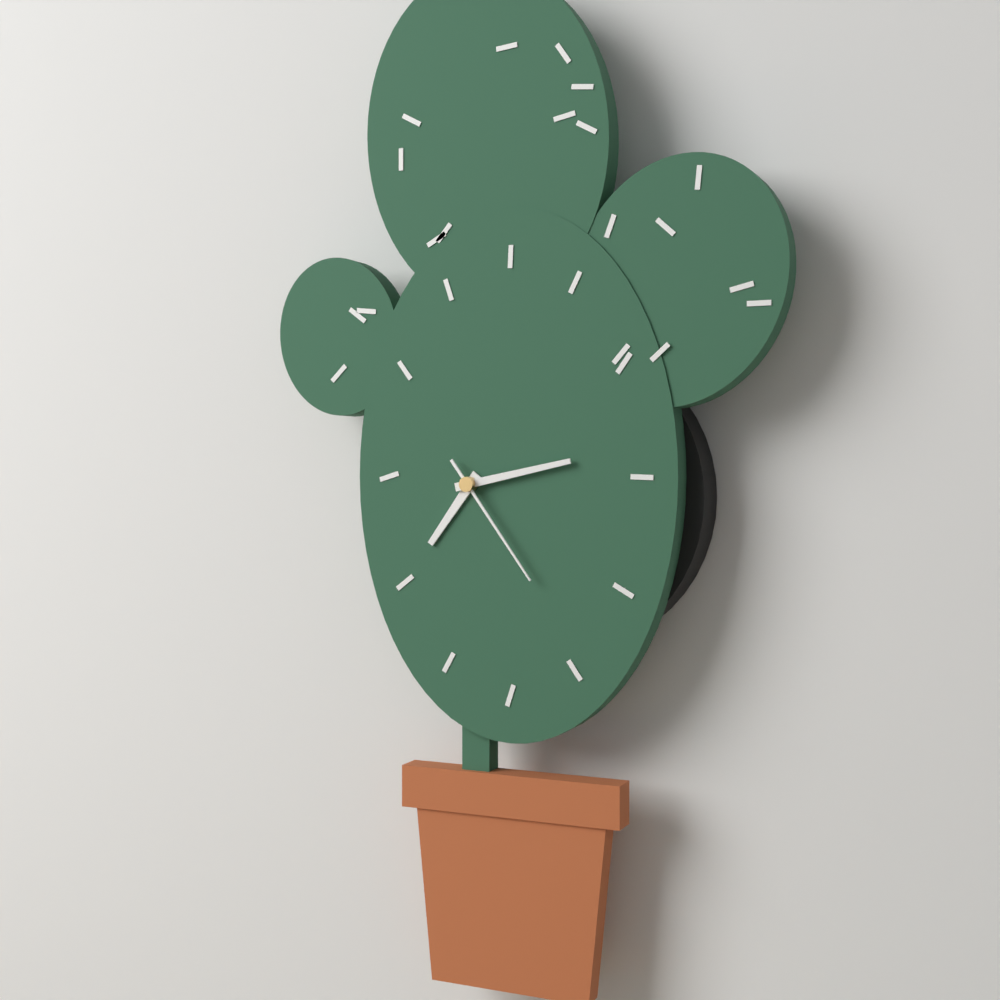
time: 7:13:24
